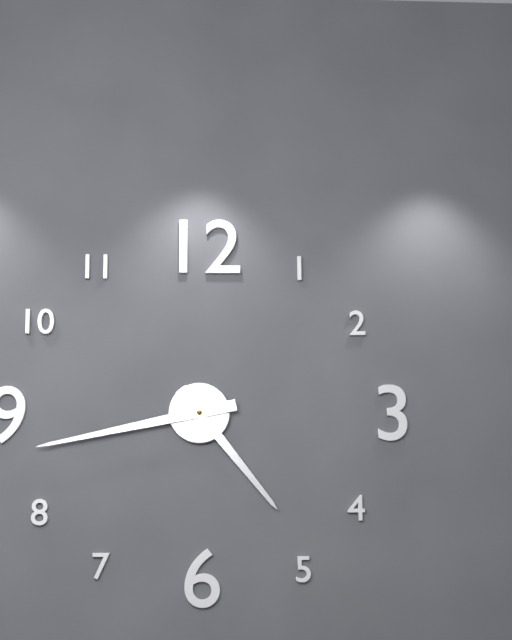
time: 4:43
